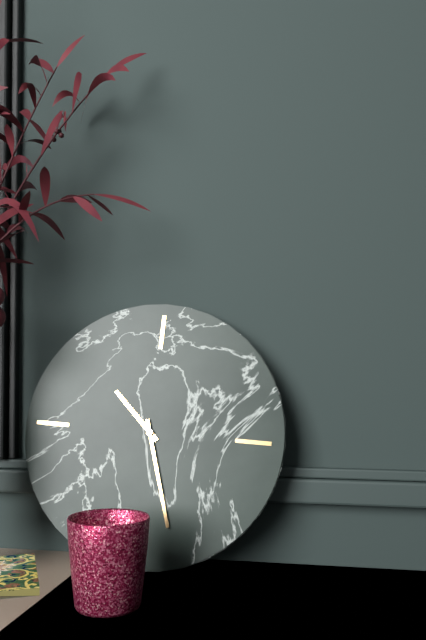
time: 10:27
